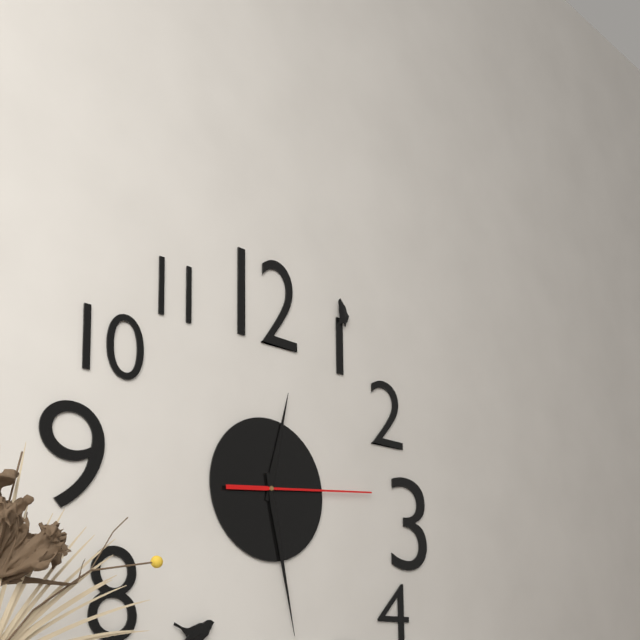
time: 12:28:14
